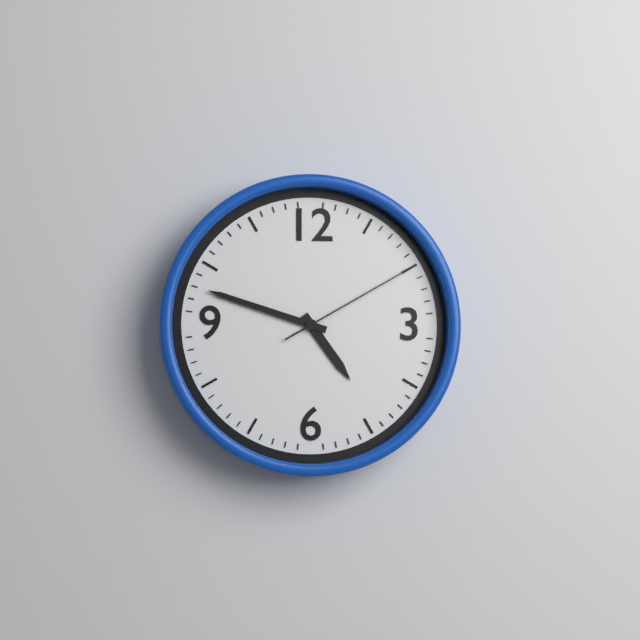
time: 4:48:10
